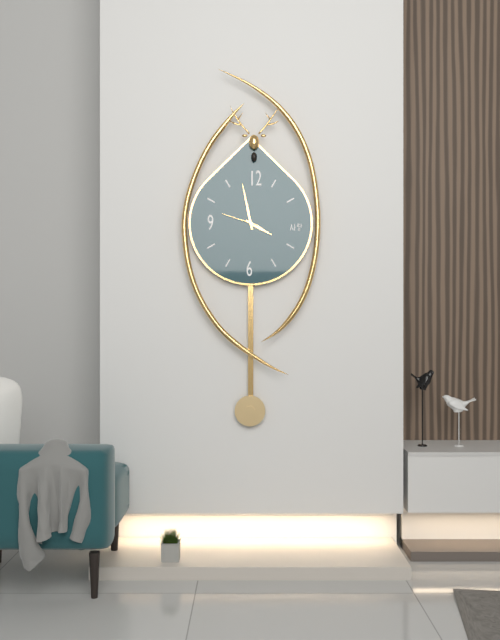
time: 3:58
